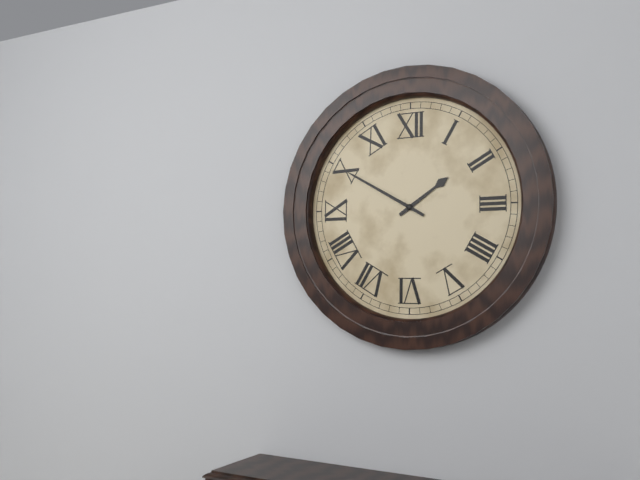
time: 1:50
